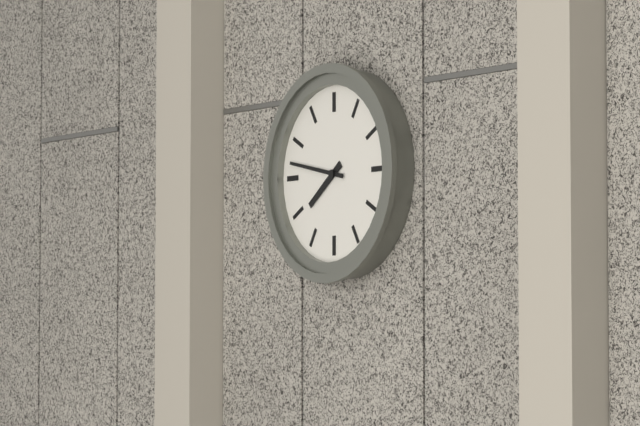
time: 7:47
